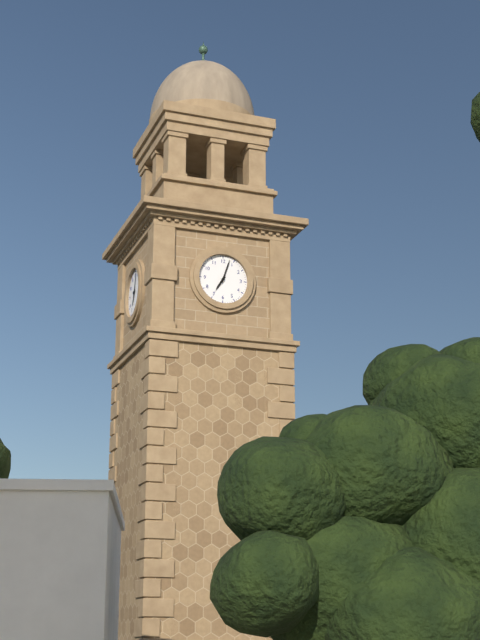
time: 7:03
